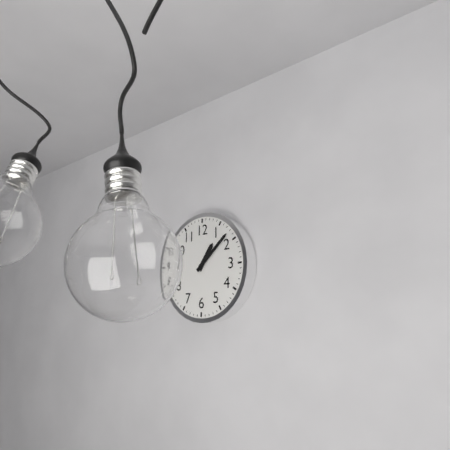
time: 1:08
